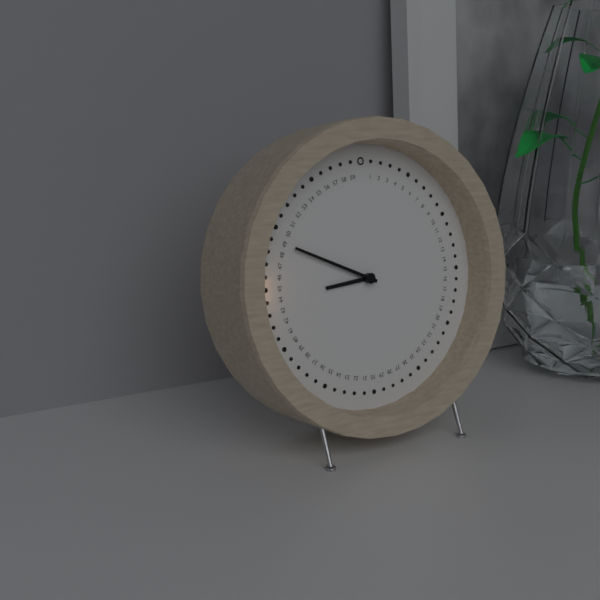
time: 8:49
